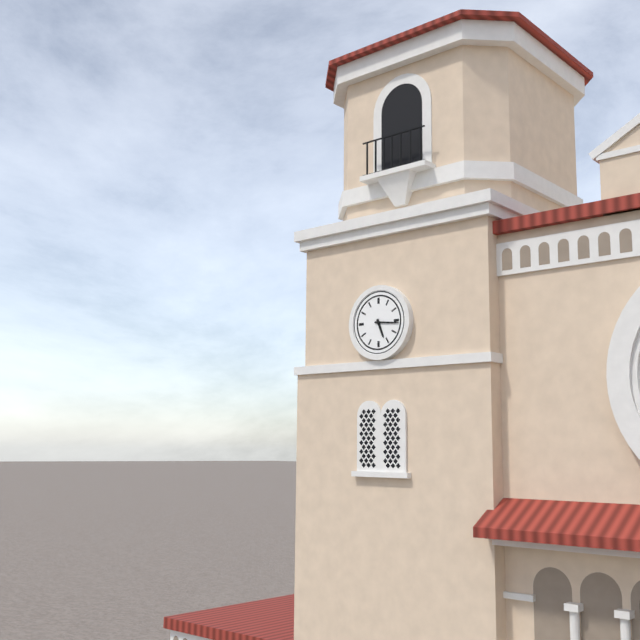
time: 5:16
